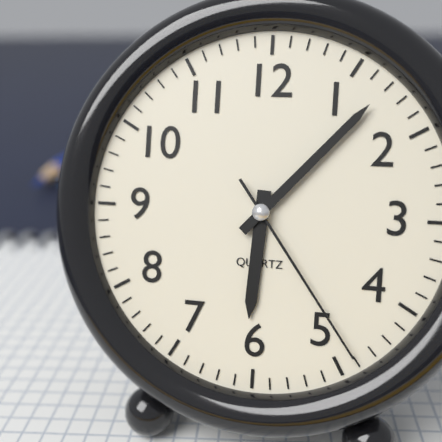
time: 6:07:24
